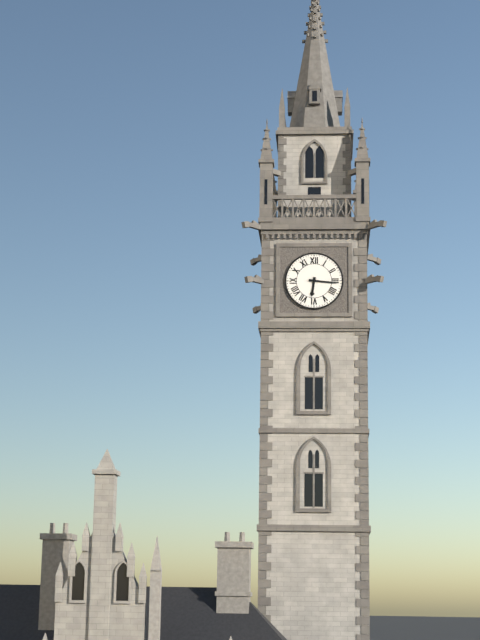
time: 6:16
